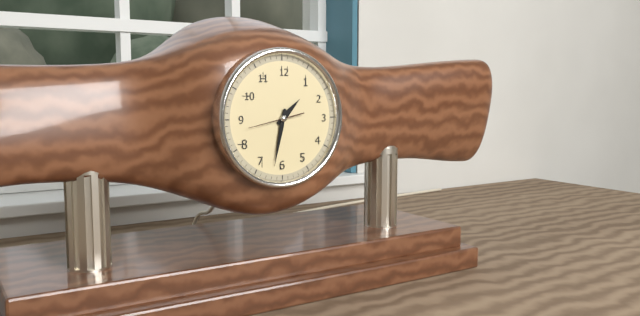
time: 1:32
